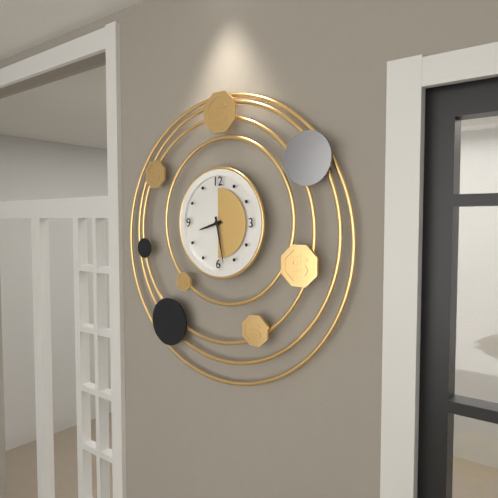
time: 8:28
